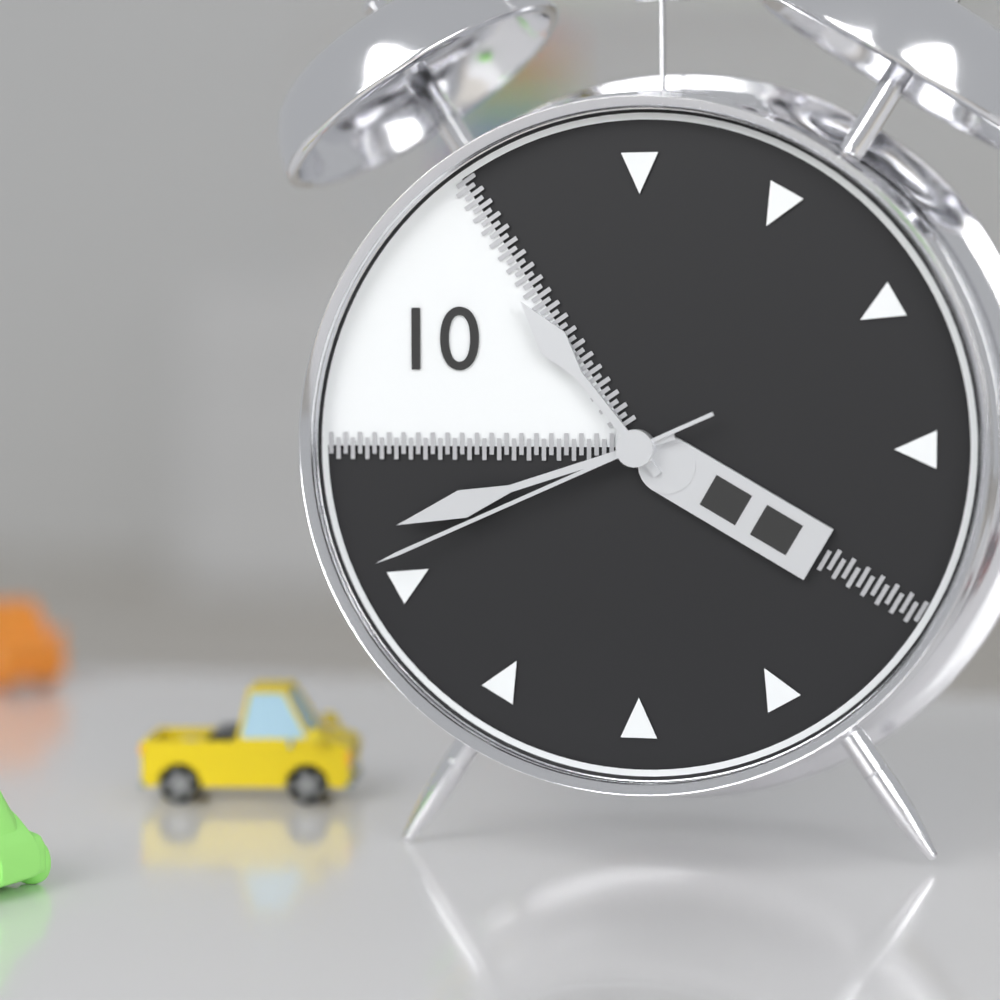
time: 10:42:41
